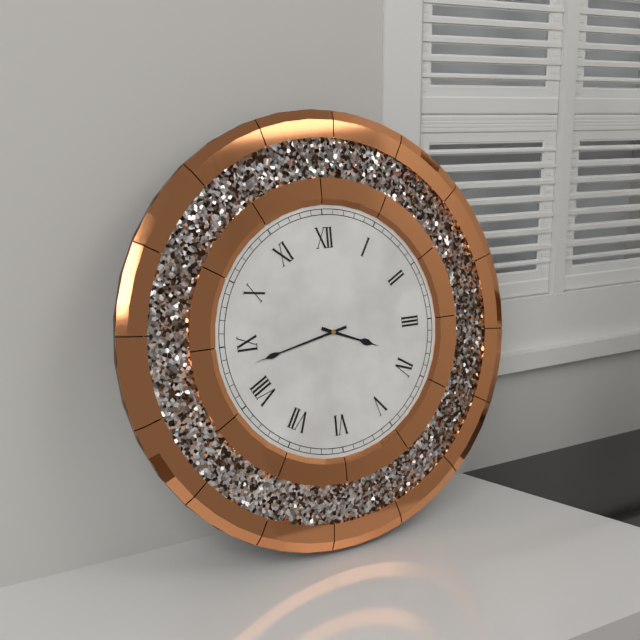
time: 3:43
